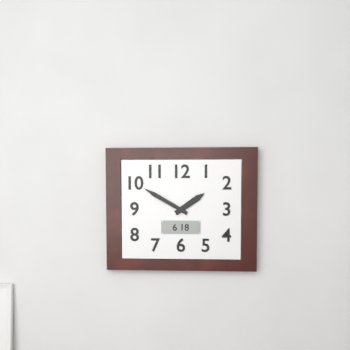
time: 1:50
